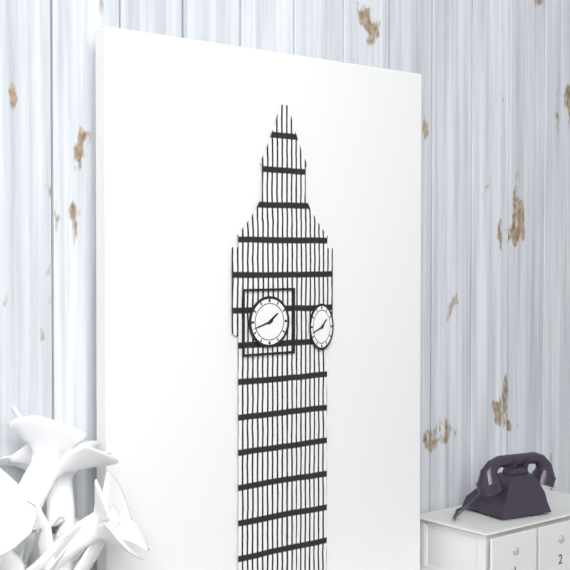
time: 1:42
